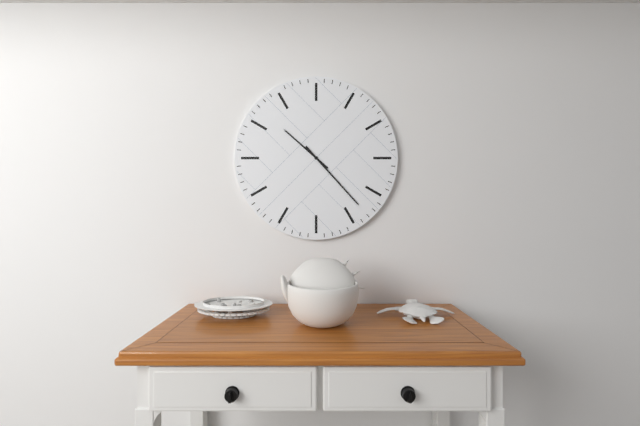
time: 10:23
